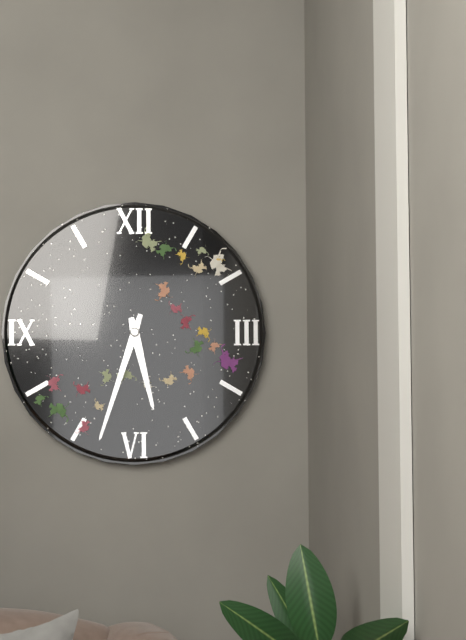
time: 5:33
